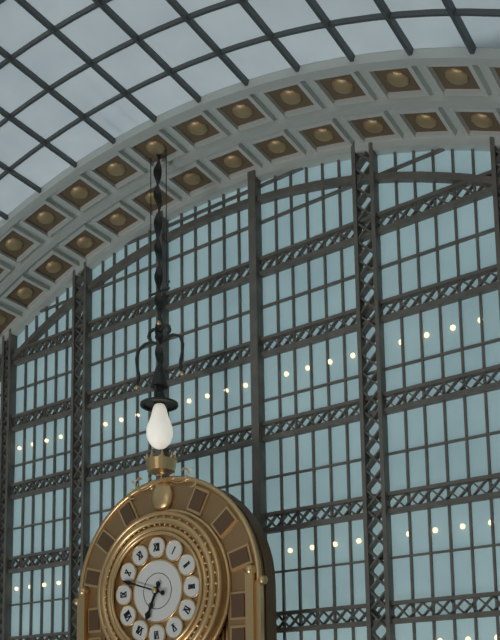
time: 6:48
